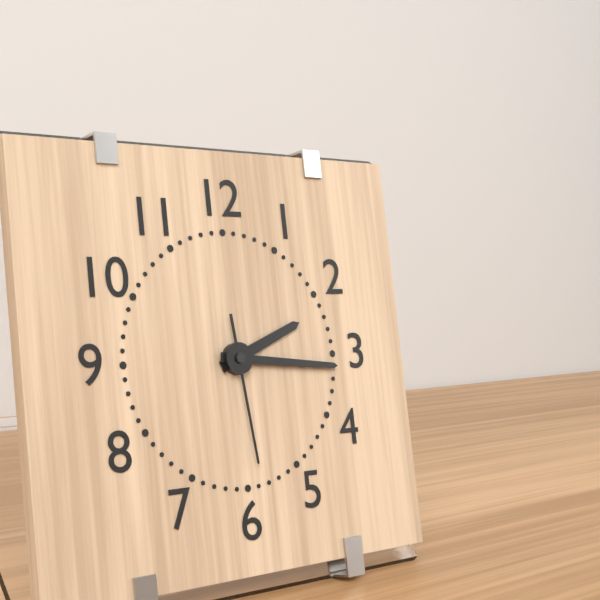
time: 2:16:29
